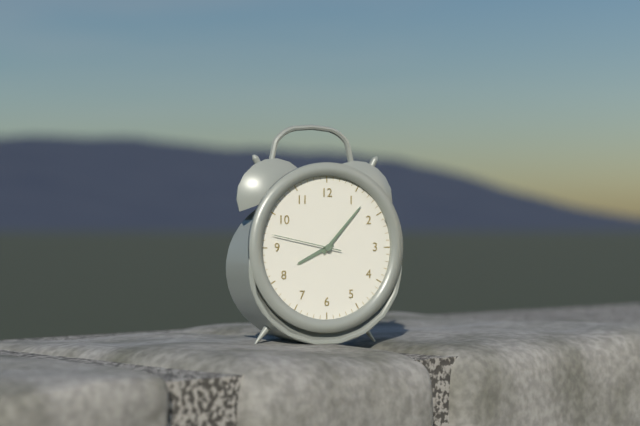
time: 8:07:47
